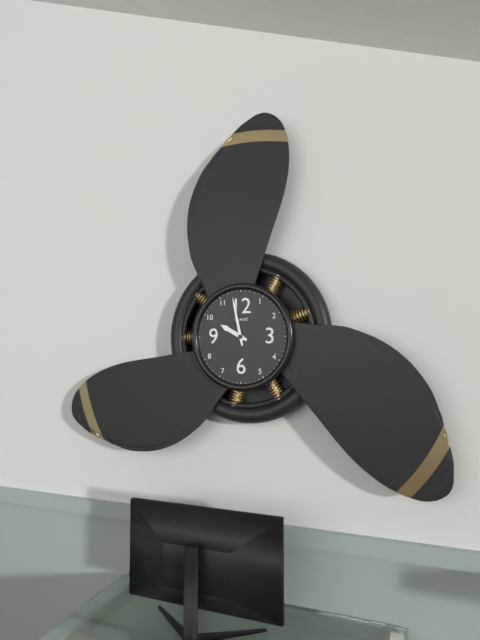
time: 9:58
